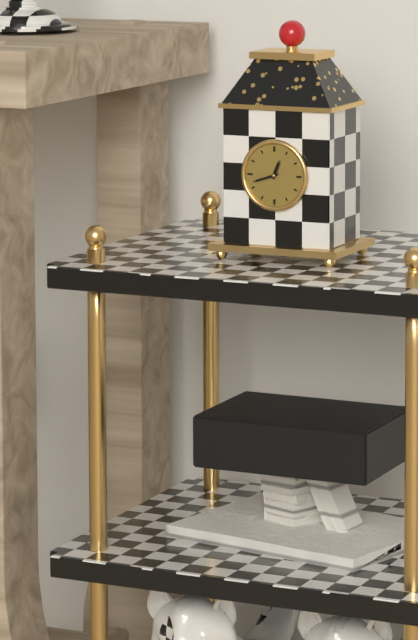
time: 12:42
